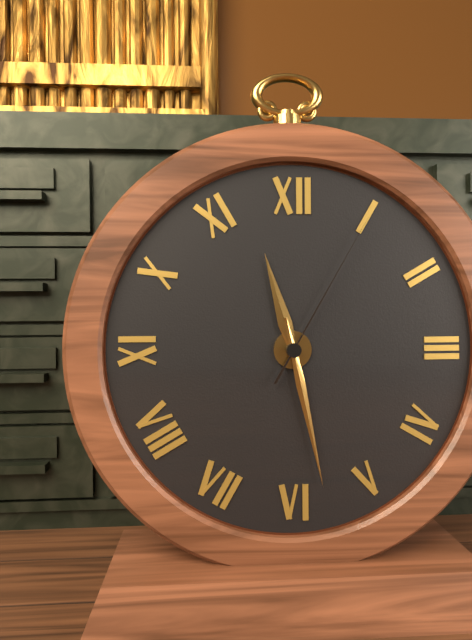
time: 11:28:05
